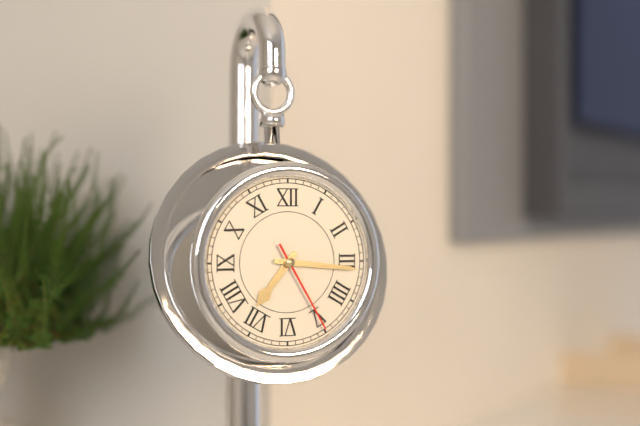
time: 7:16:25
